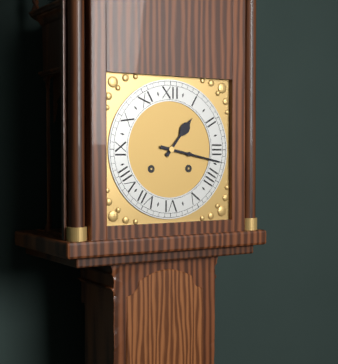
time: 1:17
